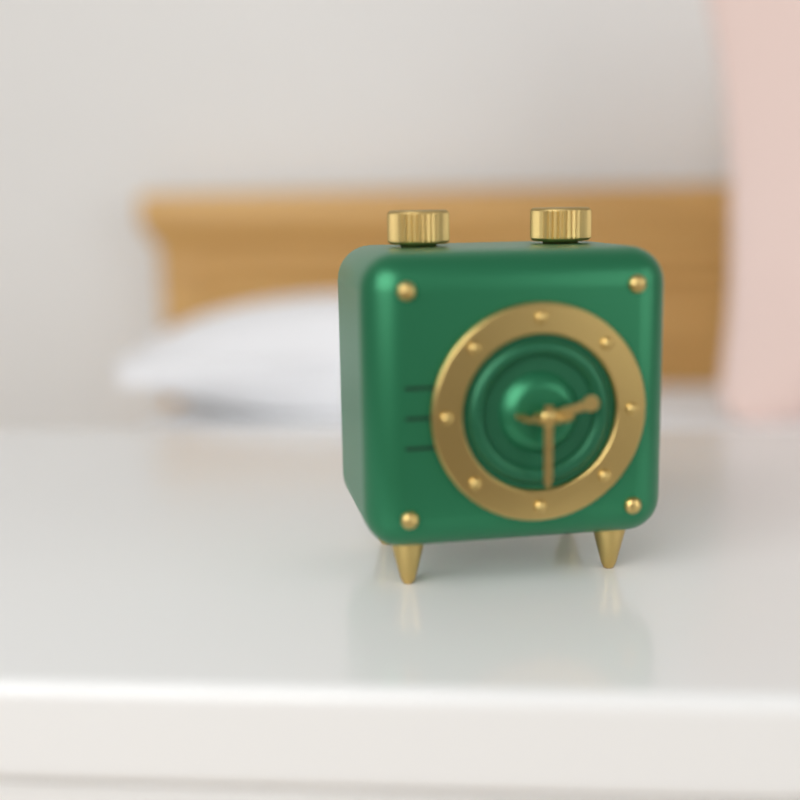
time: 2:30
